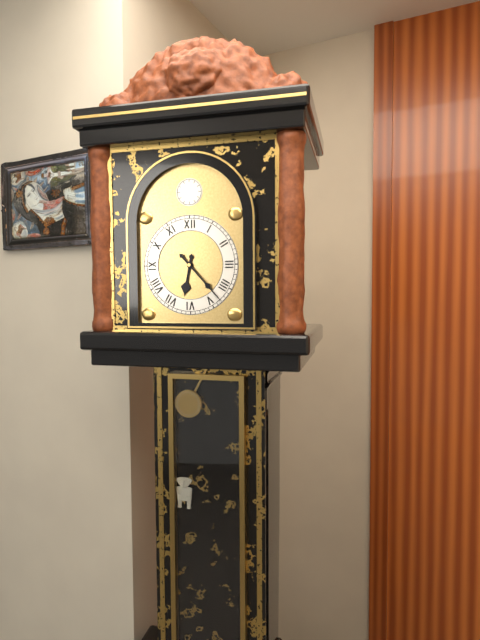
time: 6:23
